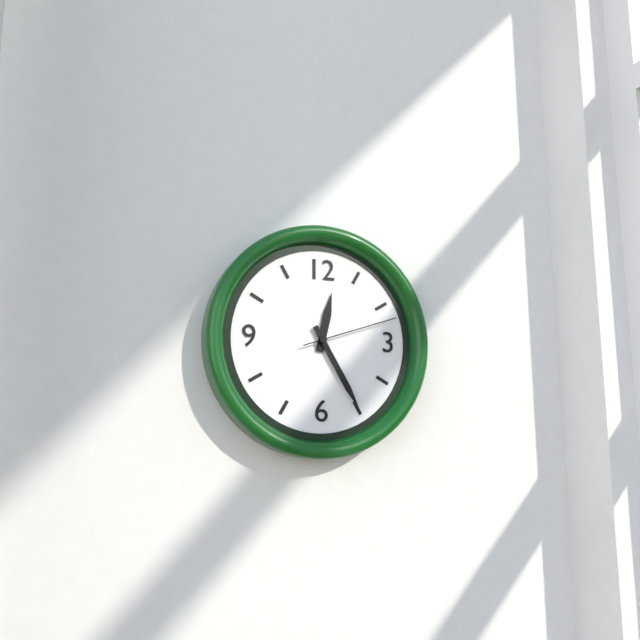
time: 12:25:12
